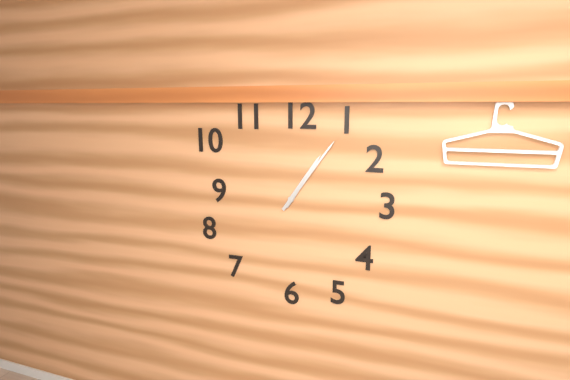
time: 1:06
